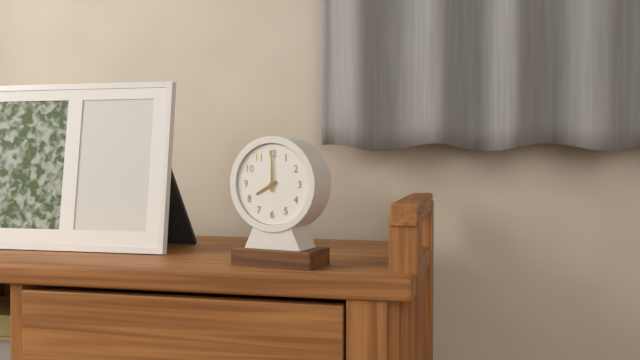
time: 8:00
